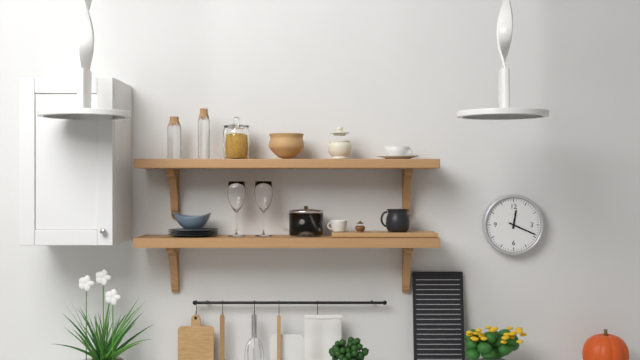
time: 12:19
